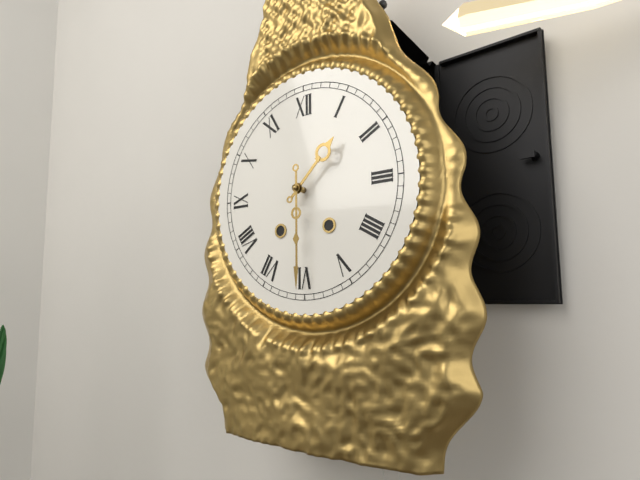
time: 1:30
